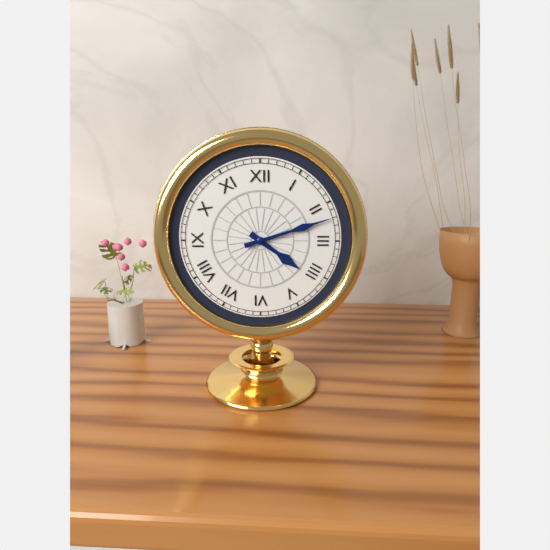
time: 4:12
